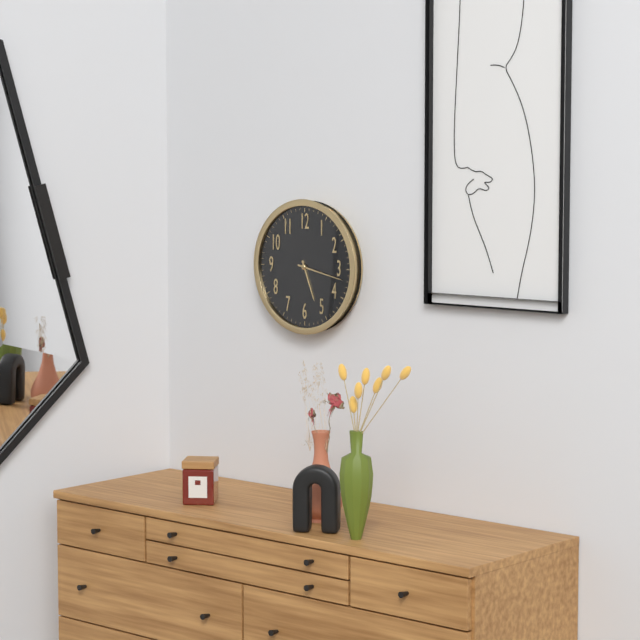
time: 5:17
